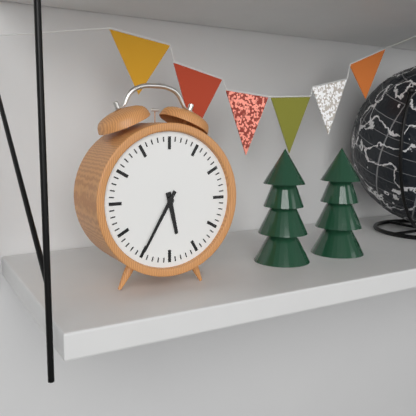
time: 5:35
